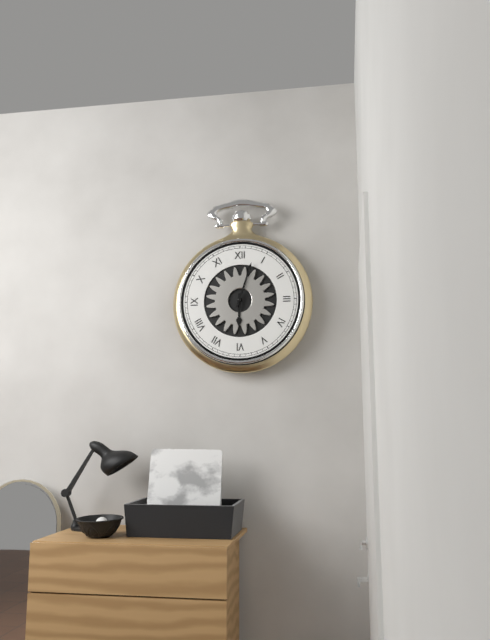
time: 6:03
